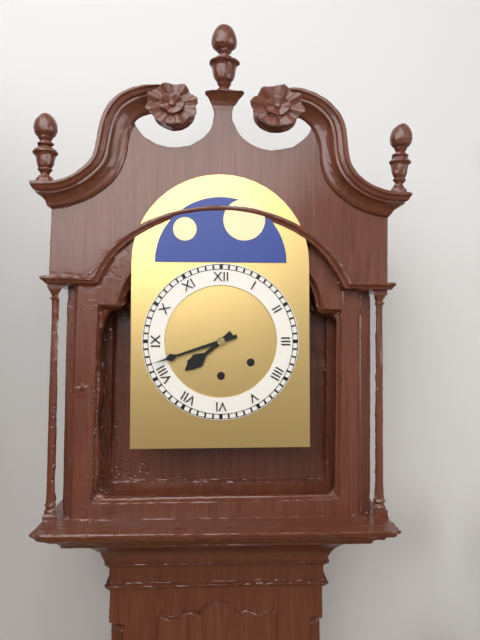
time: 7:42
